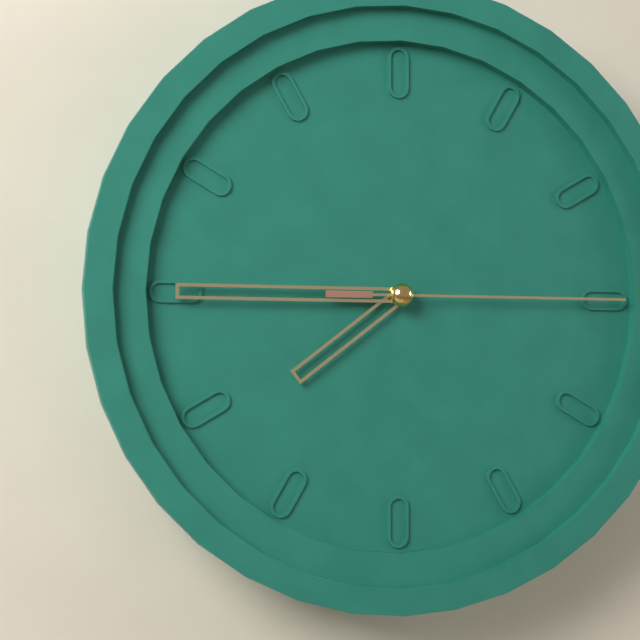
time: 7:45:15
